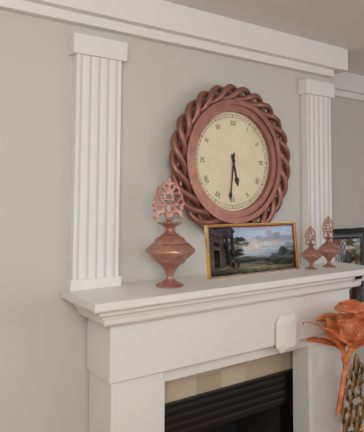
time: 5:31
